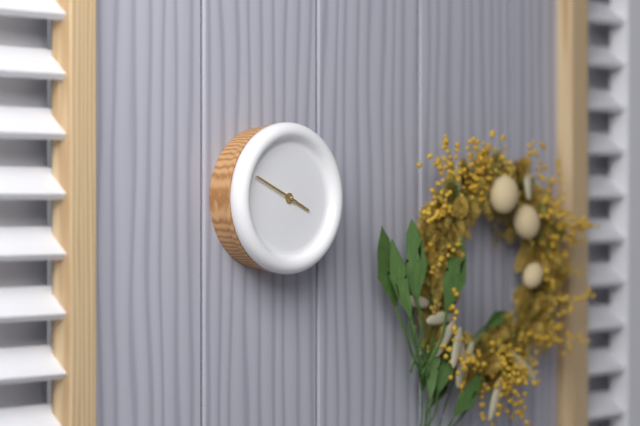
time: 3:49
